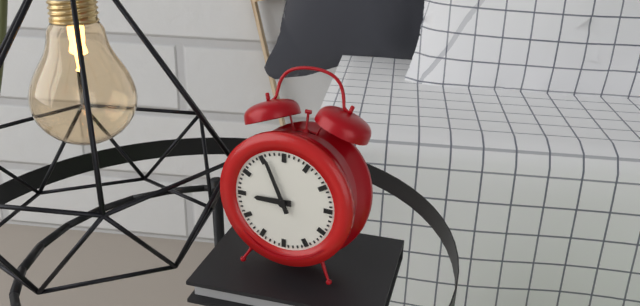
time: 8:56
